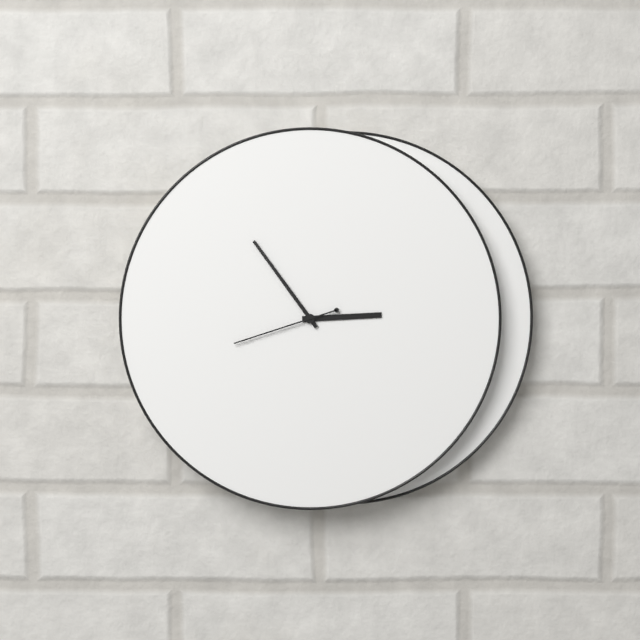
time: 2:54:42
